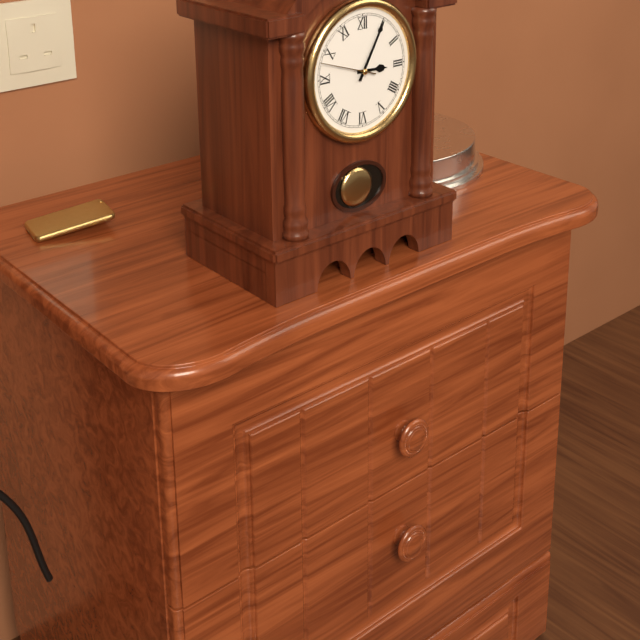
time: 3:05:48
